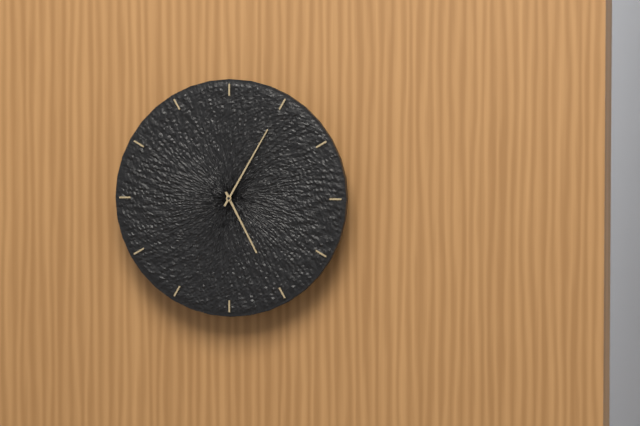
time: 5:05
